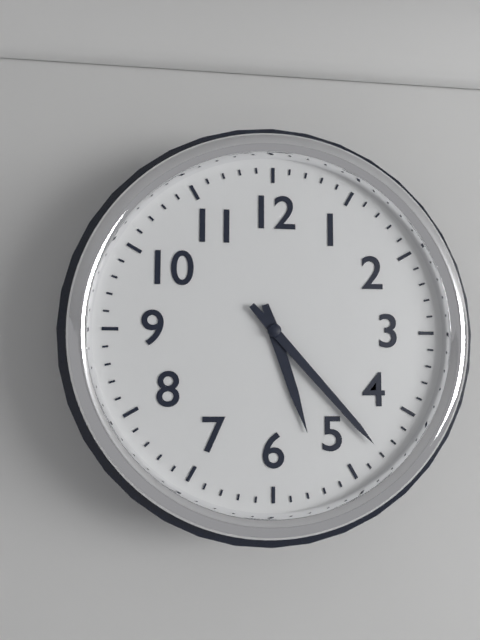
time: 5:23
